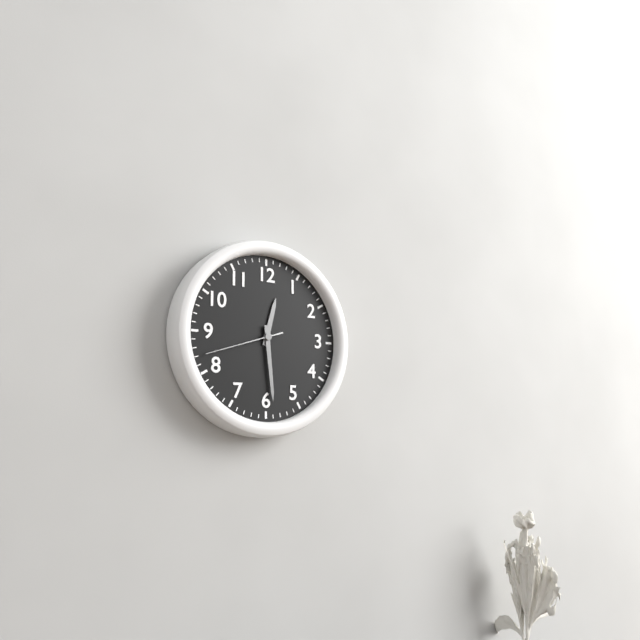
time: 12:29:42
